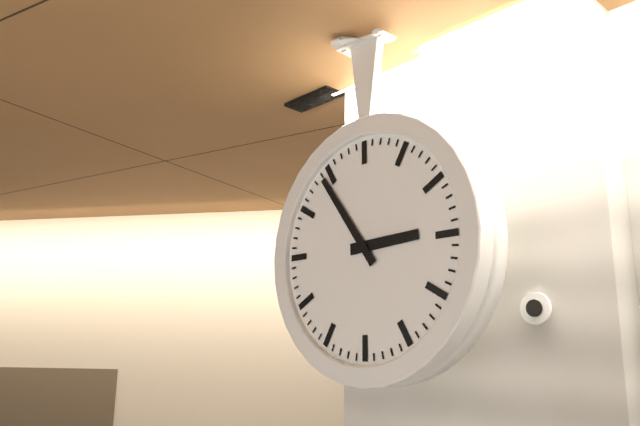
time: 2:54
